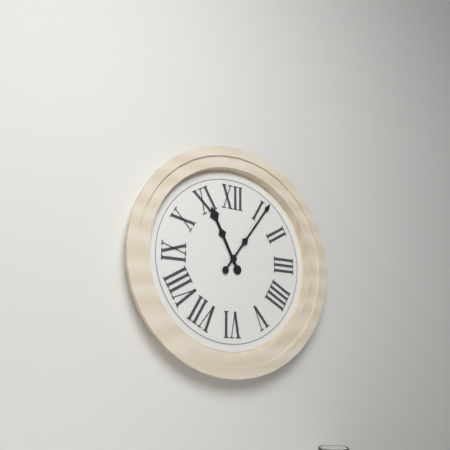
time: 11:06
